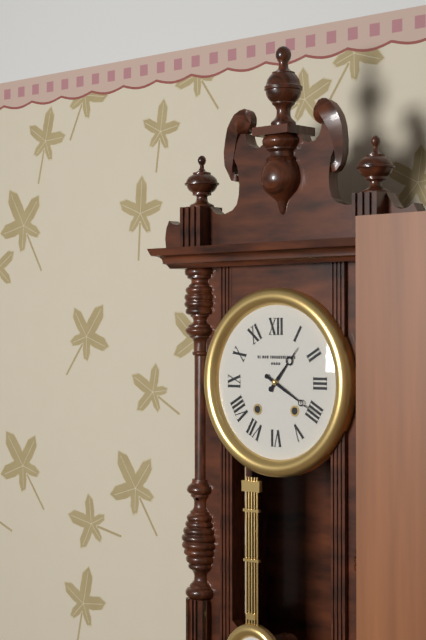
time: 1:20
